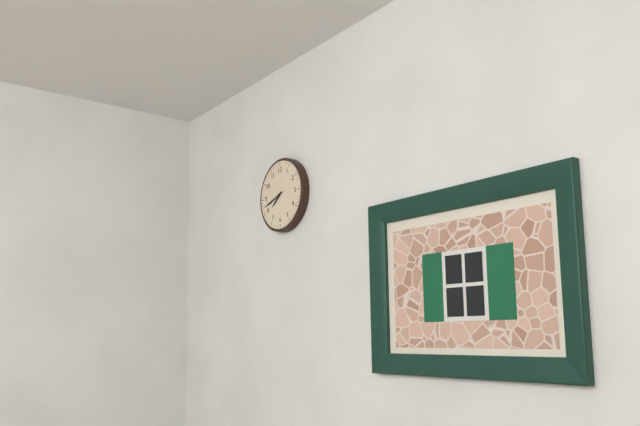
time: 7:42
